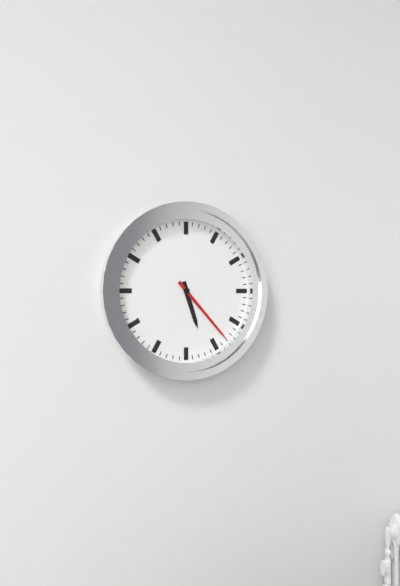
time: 5:23
